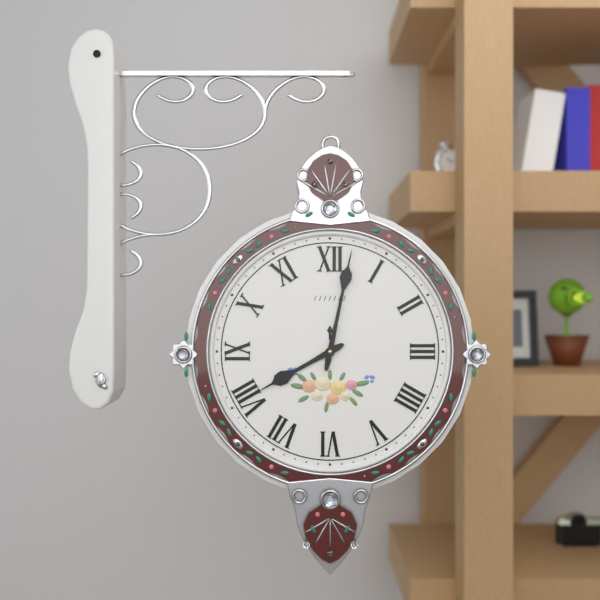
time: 8:02
